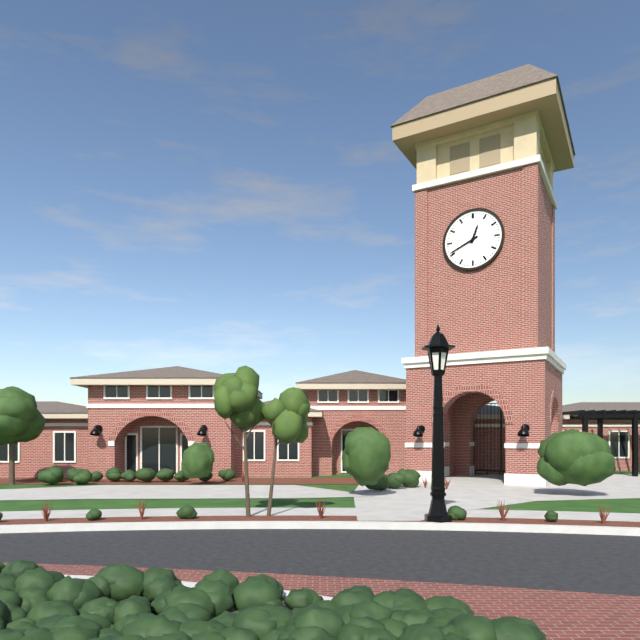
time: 12:41
